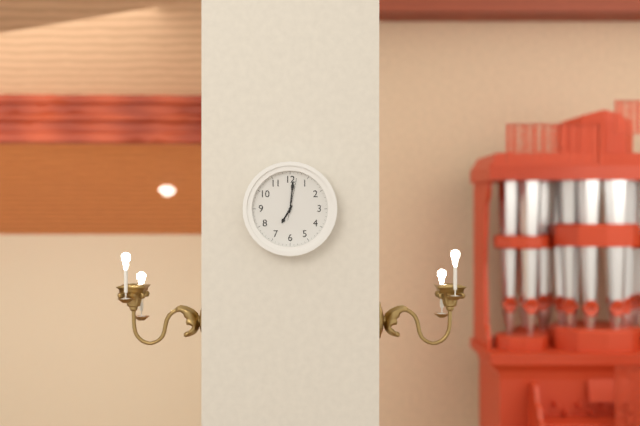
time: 7:01
